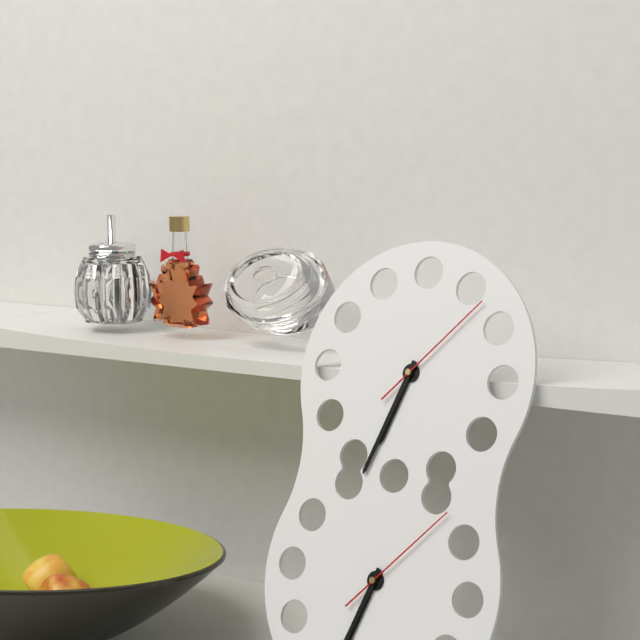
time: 6:33:07
